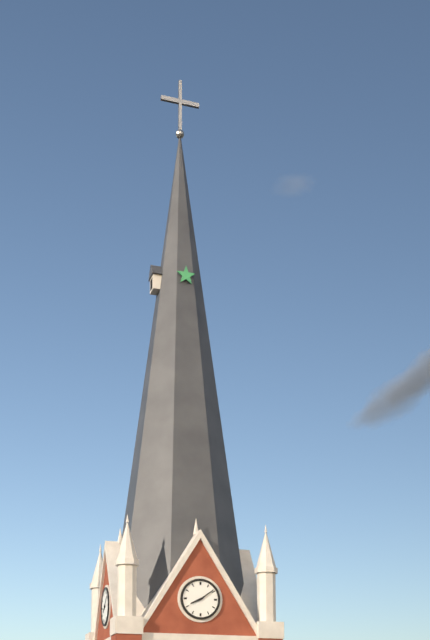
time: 8:09
